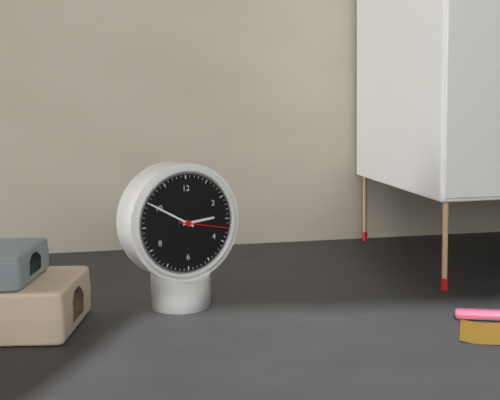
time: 2:50:17
